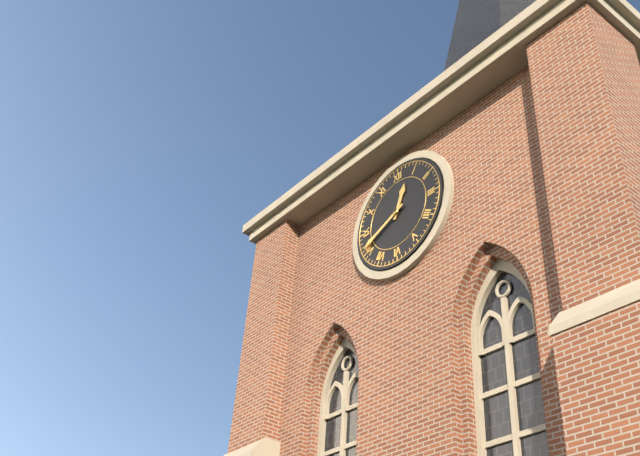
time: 12:41
